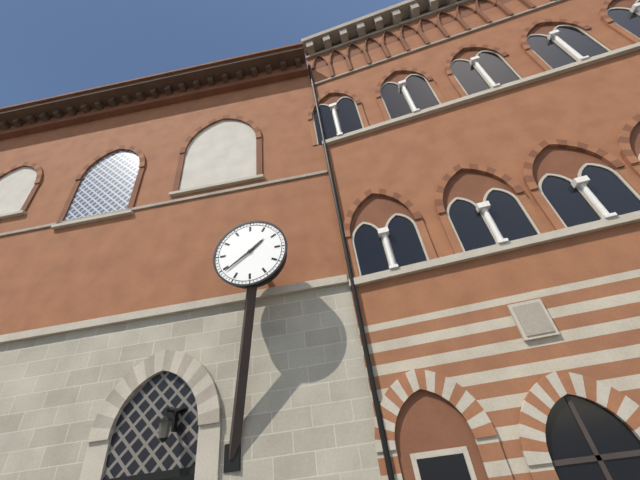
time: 1:39
